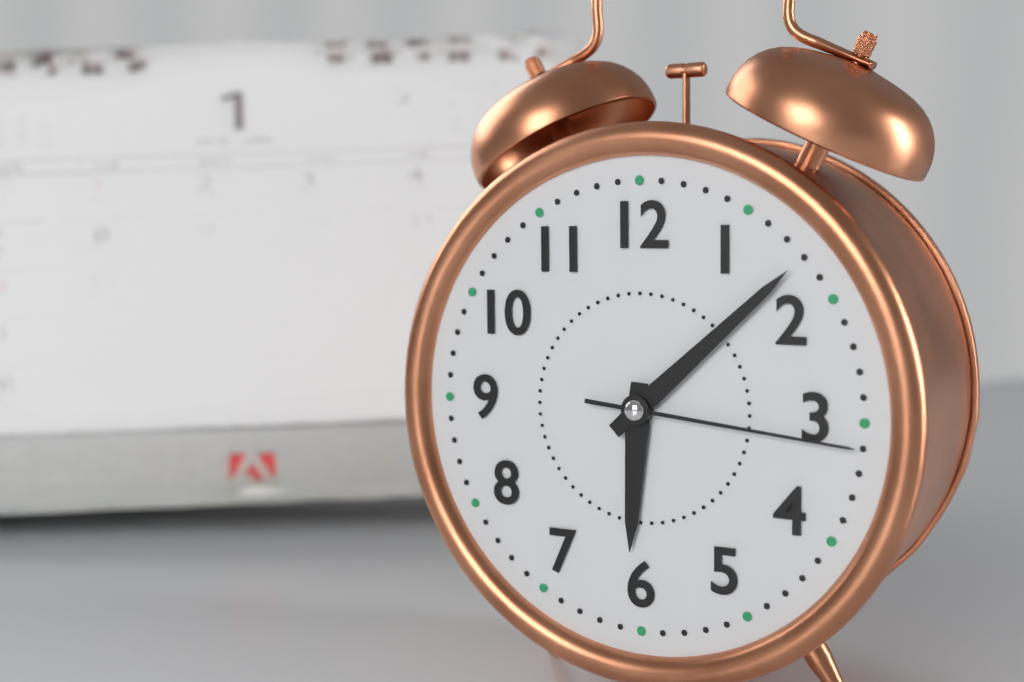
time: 6:08:16
